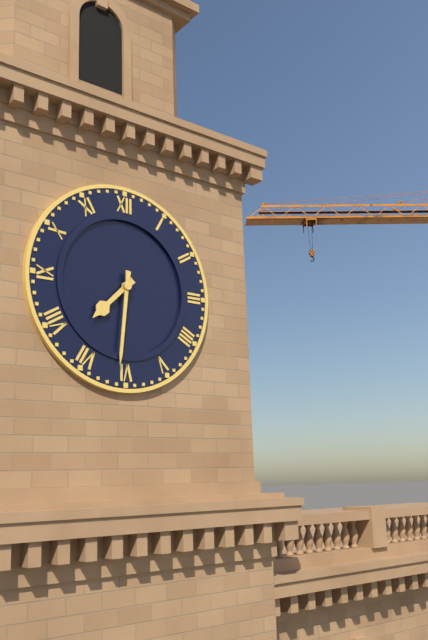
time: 7:31
